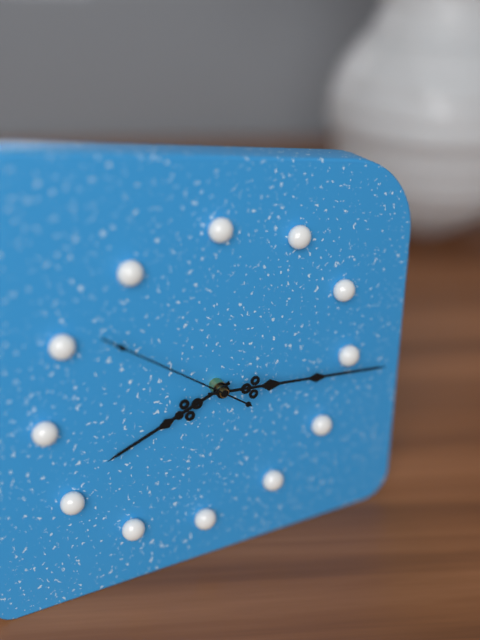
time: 8:16:51
